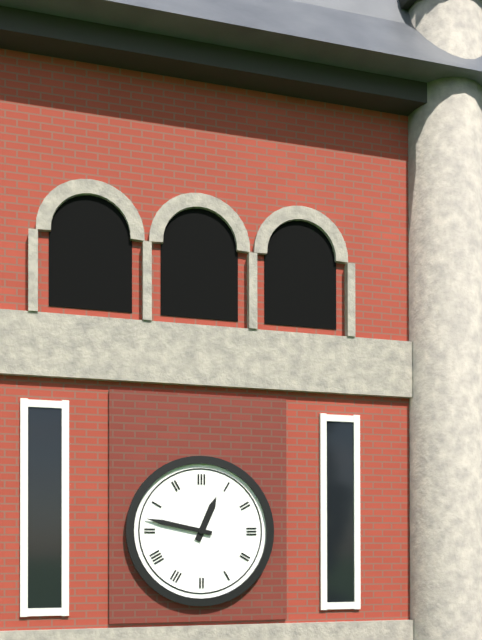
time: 12:47
